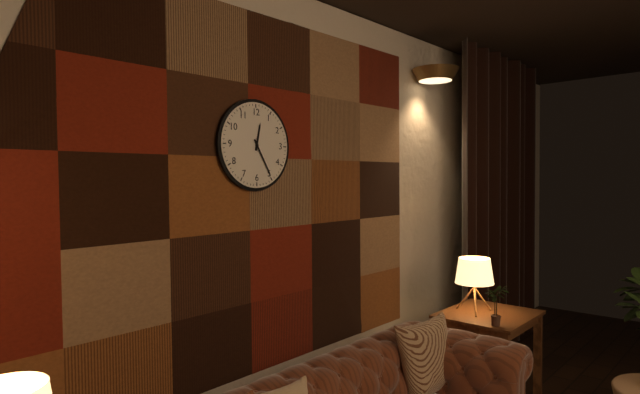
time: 12:25
